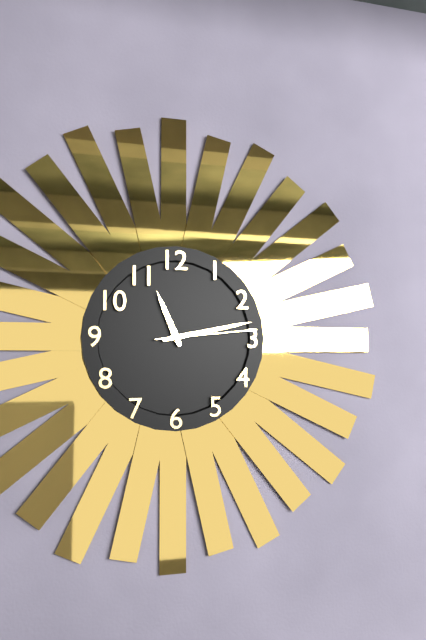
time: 11:13:14
